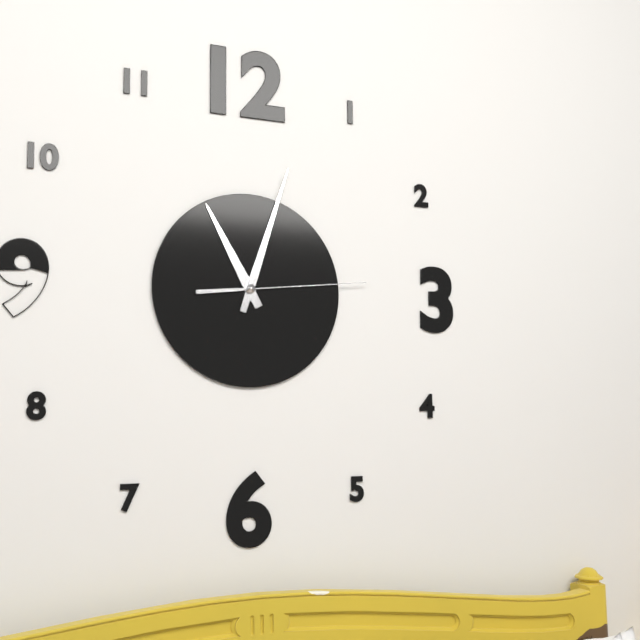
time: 11:03:14
